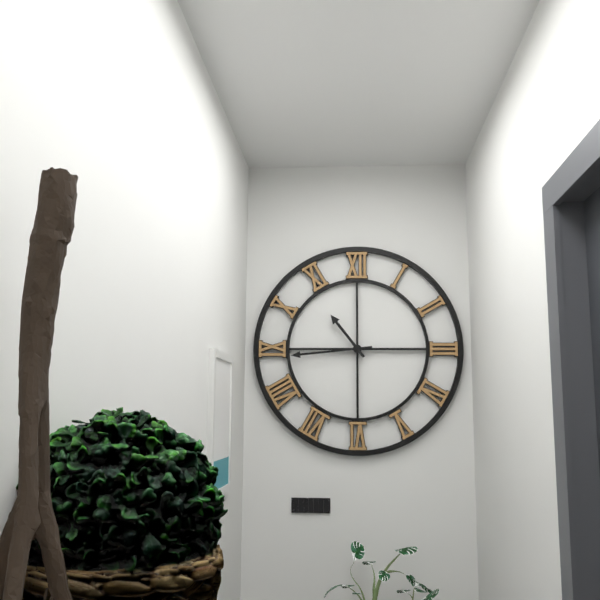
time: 10:44
